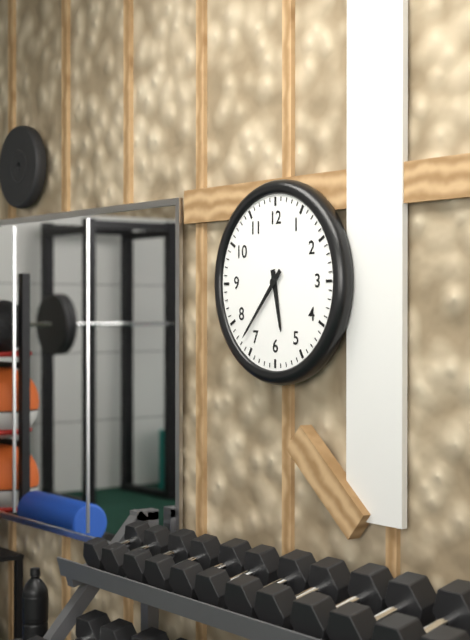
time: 5:37
